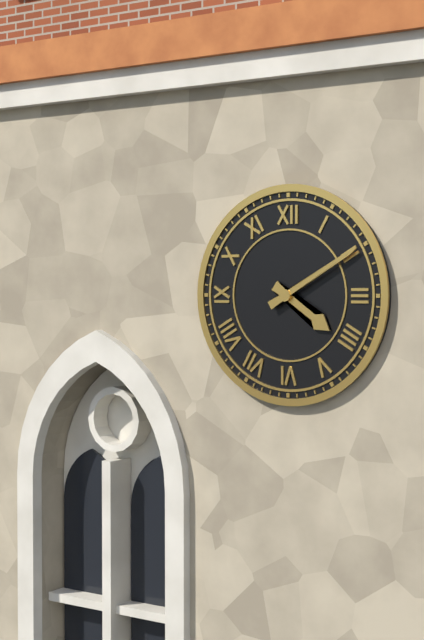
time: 4:10
